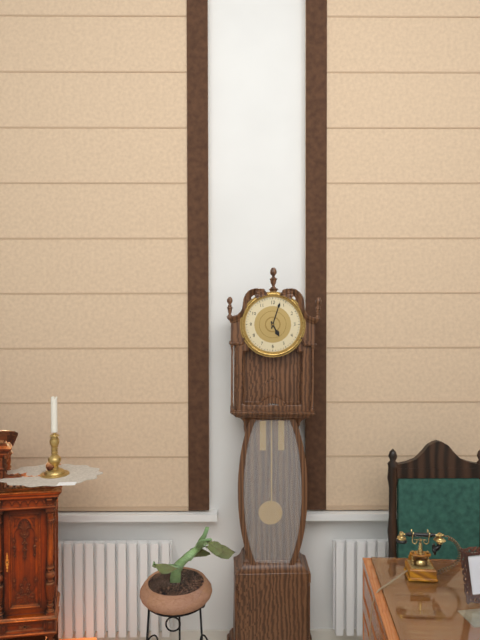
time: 5:03
